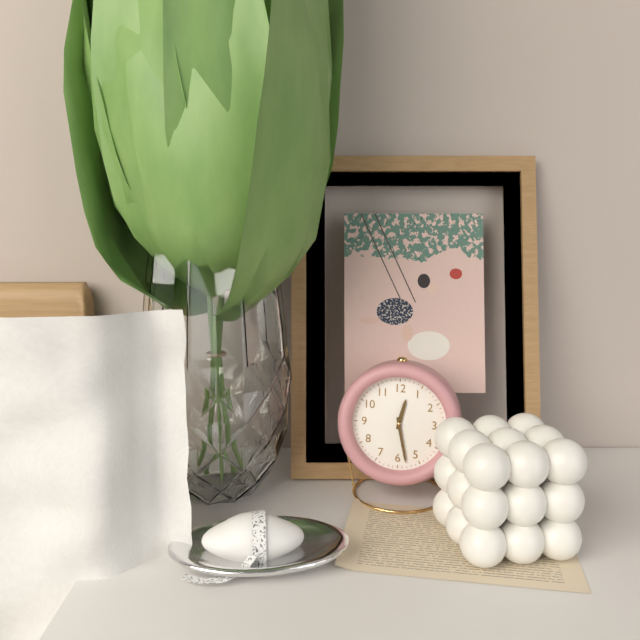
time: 12:28
